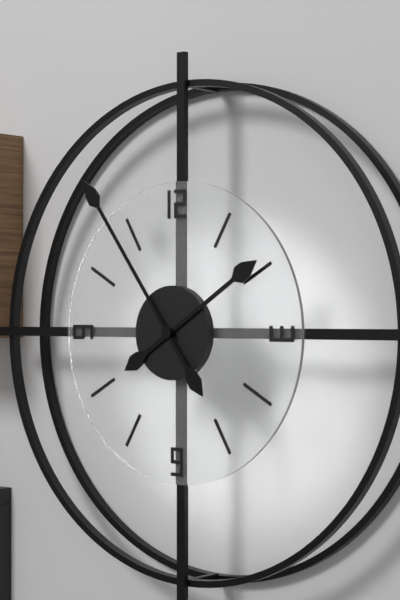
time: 1:54
